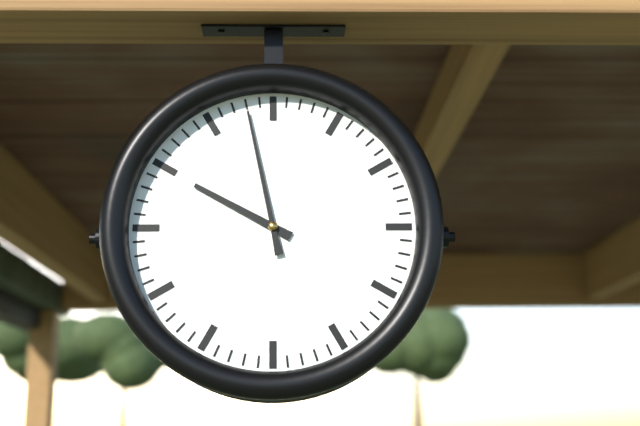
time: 9:58
